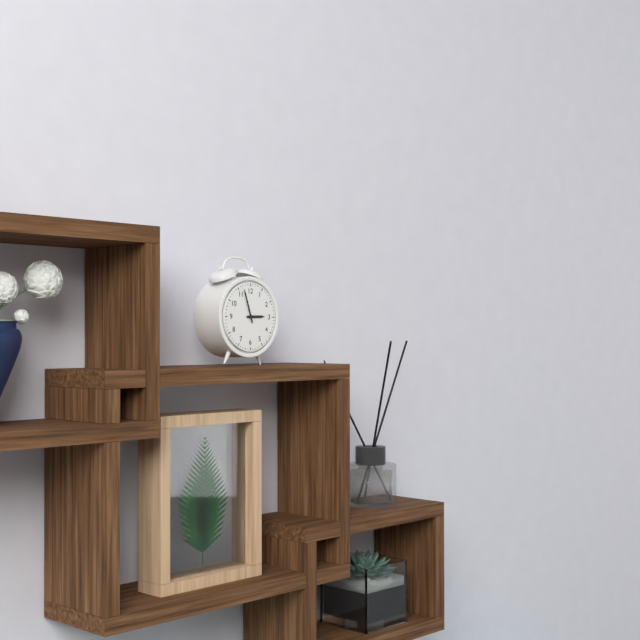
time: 2:57
